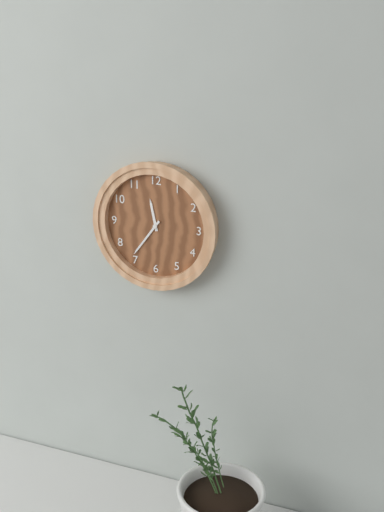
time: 11:36
